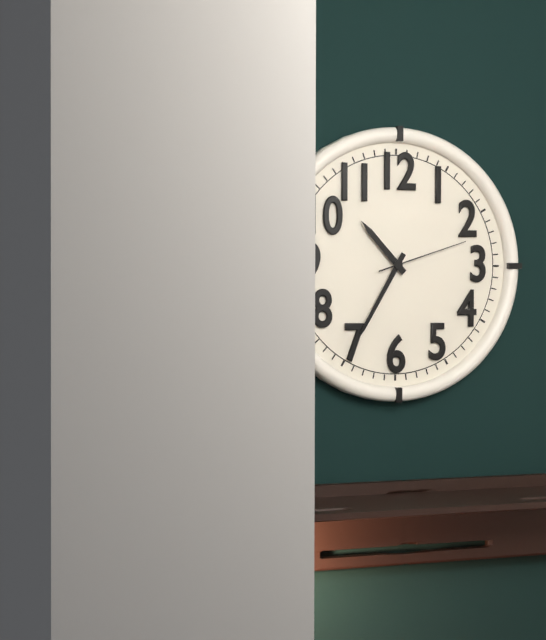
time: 10:35:12
